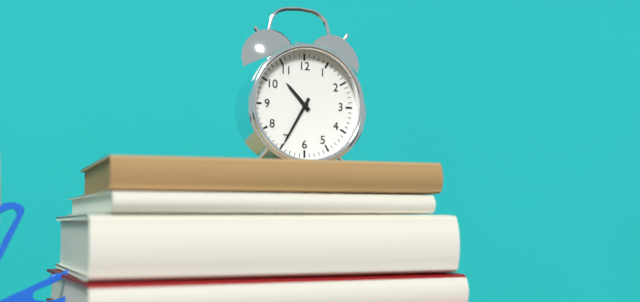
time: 10:35
